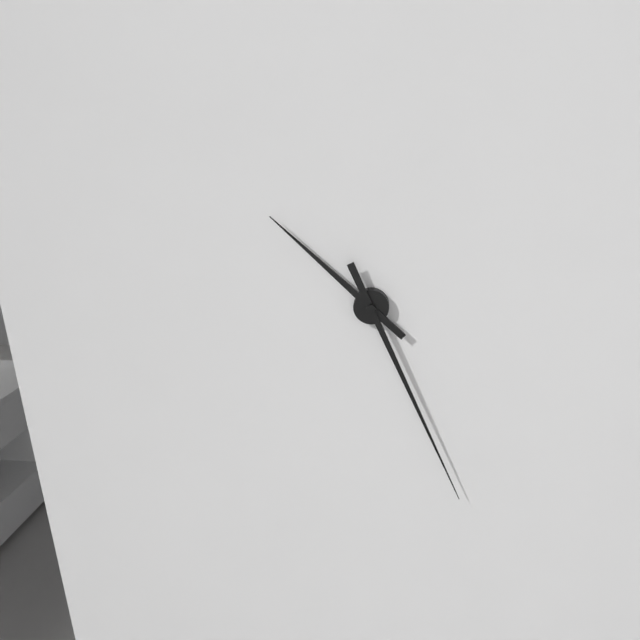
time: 10:26
